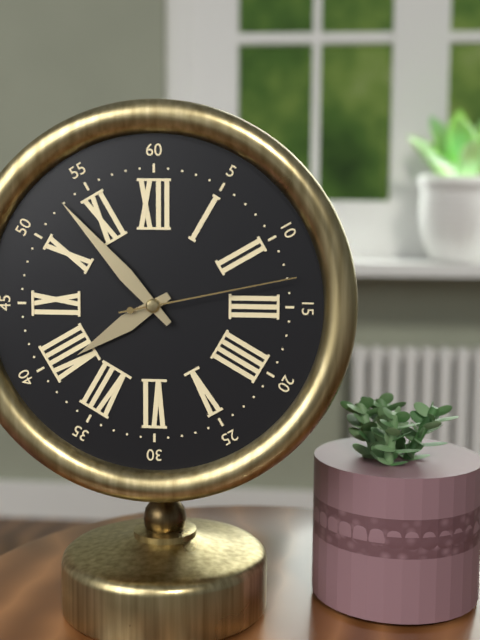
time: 7:53:13
